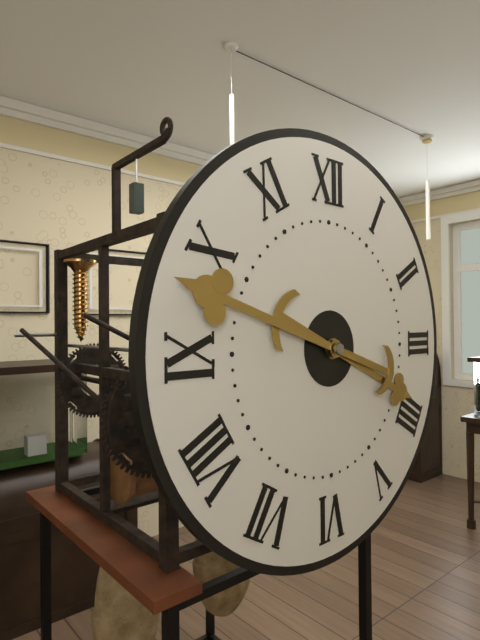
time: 3:48
